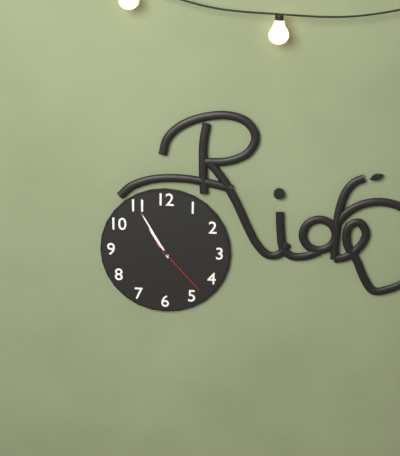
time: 10:55:23
